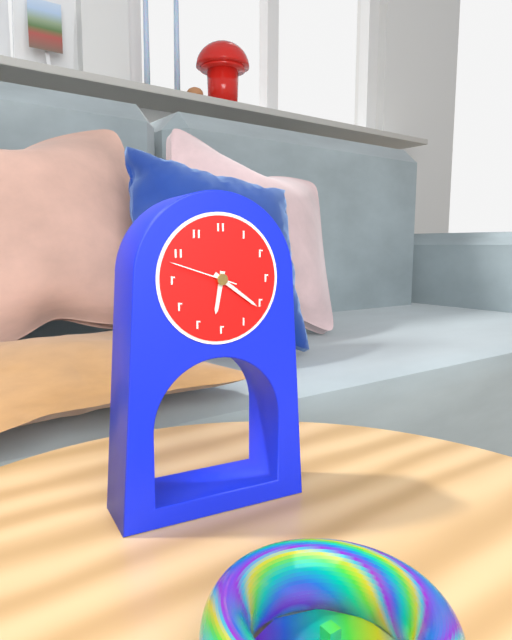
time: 6:21:48
